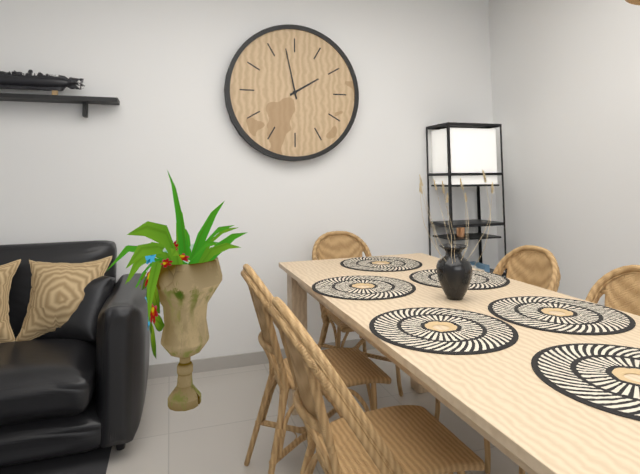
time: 1:58
